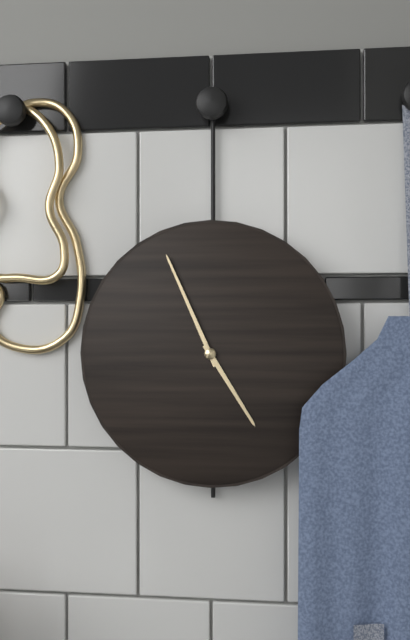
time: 4:56
